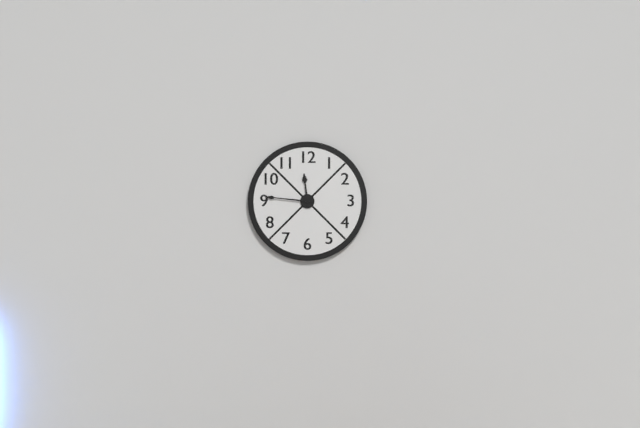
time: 11:46
